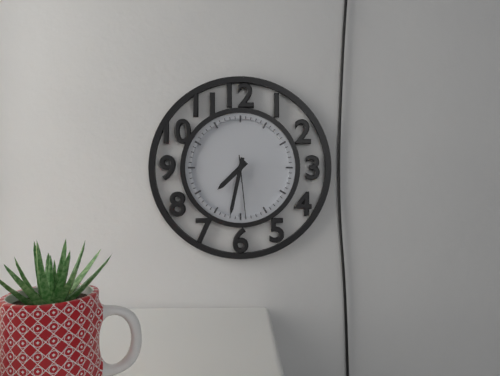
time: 7:32:29
